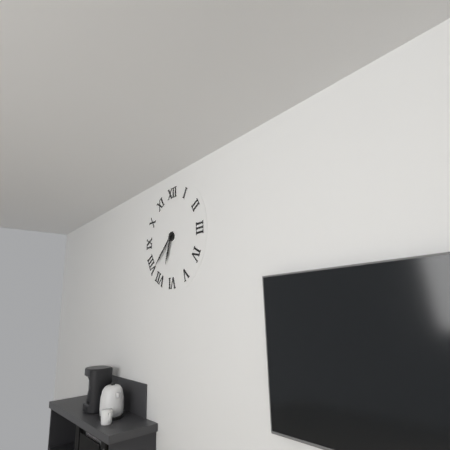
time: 6:38
